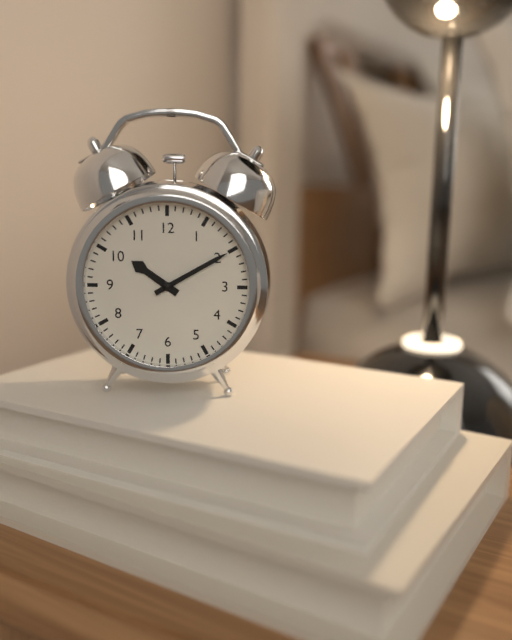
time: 10:10
